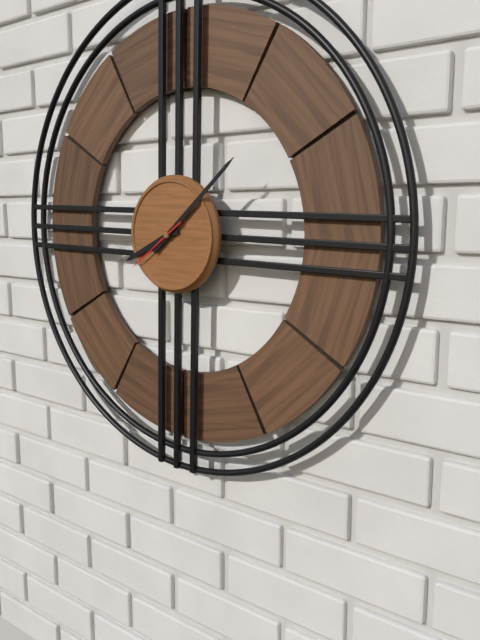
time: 8:08:39
